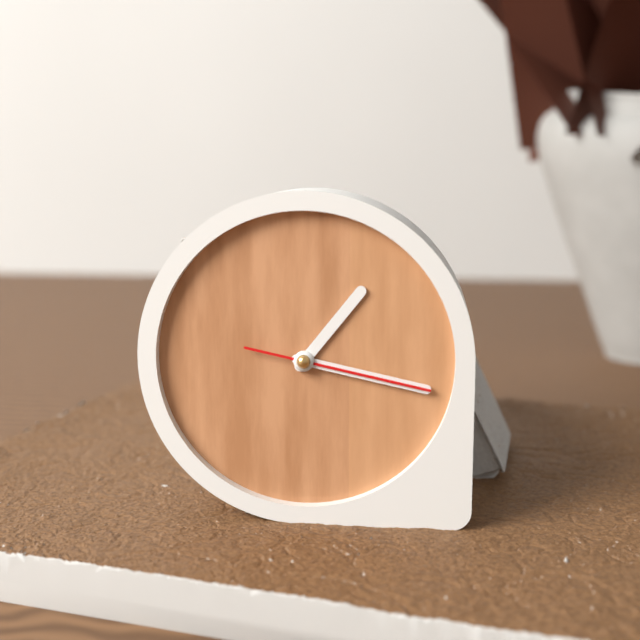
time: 1:17:17
